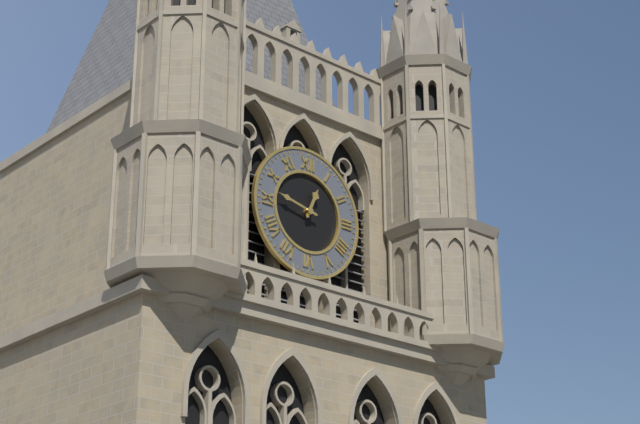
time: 12:47
